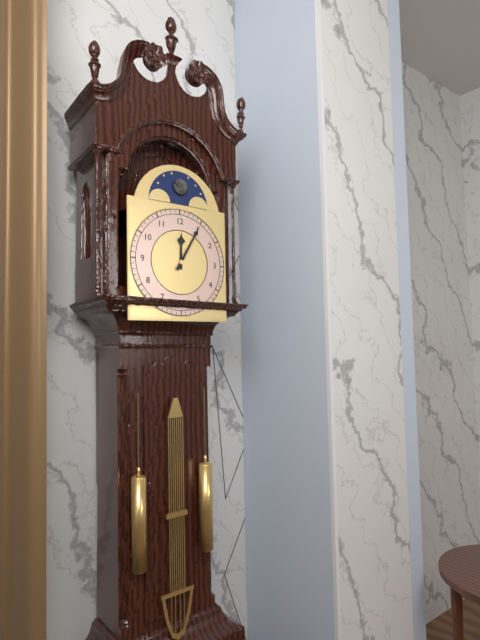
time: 12:05
